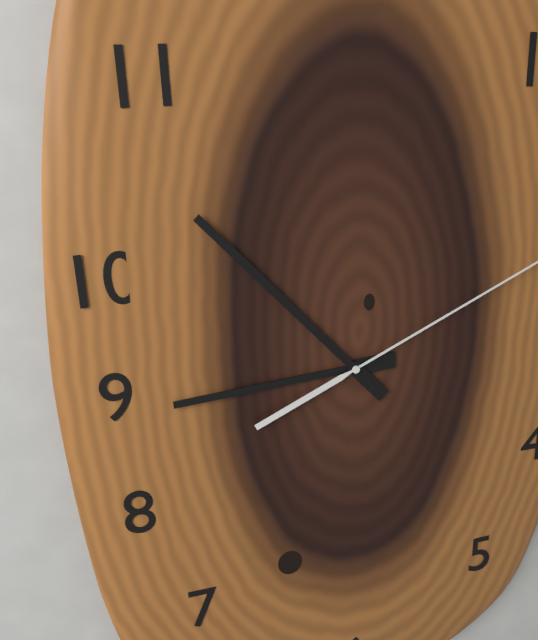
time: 8:53
